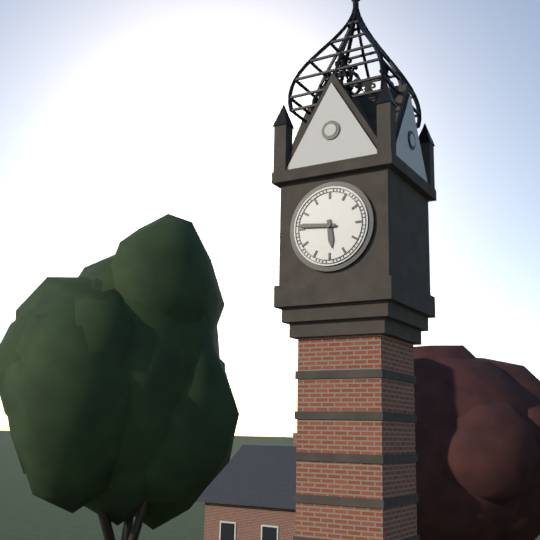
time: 5:46
